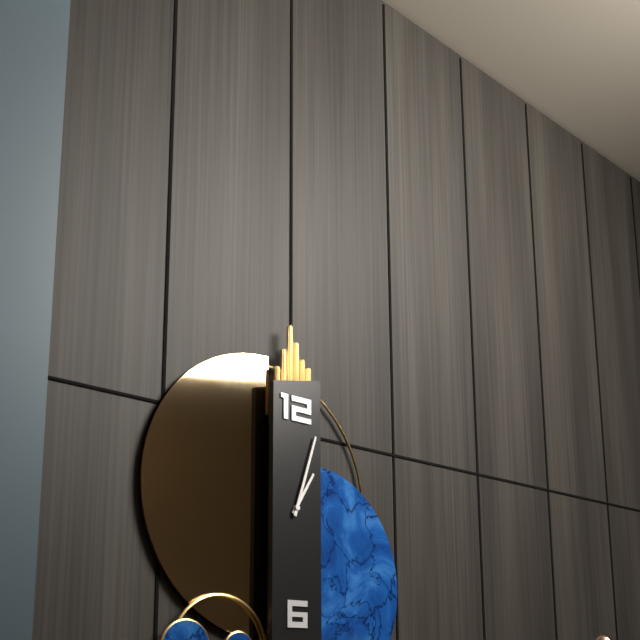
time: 1:03
